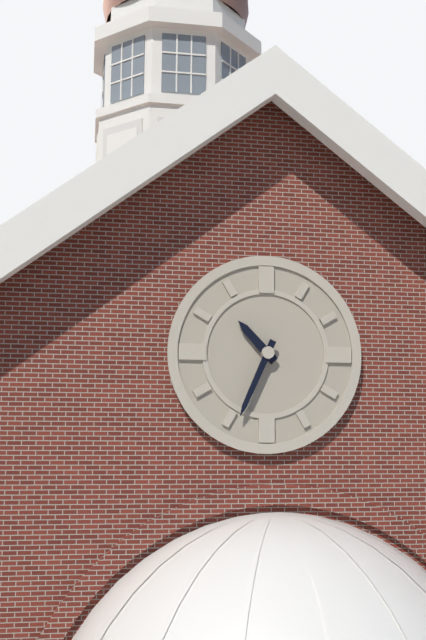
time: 10:34
